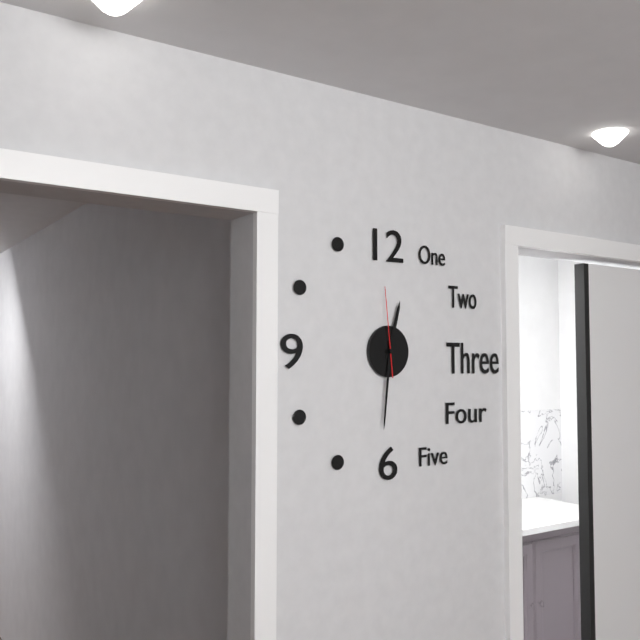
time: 12:31:59
